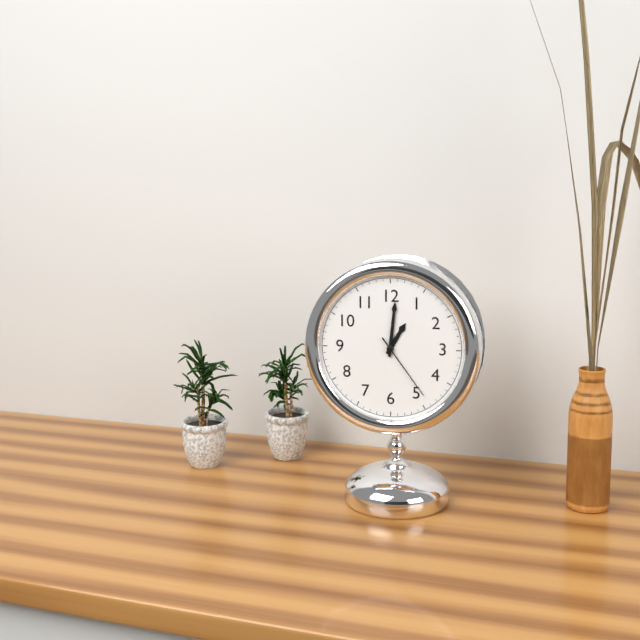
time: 1:01:24
